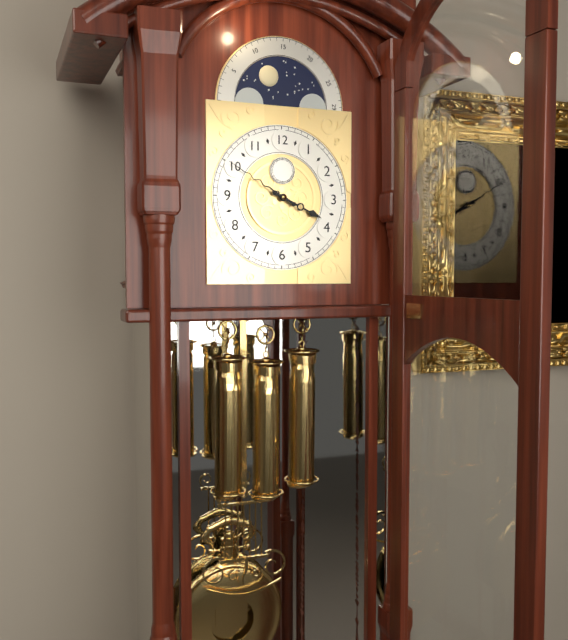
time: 3:50
